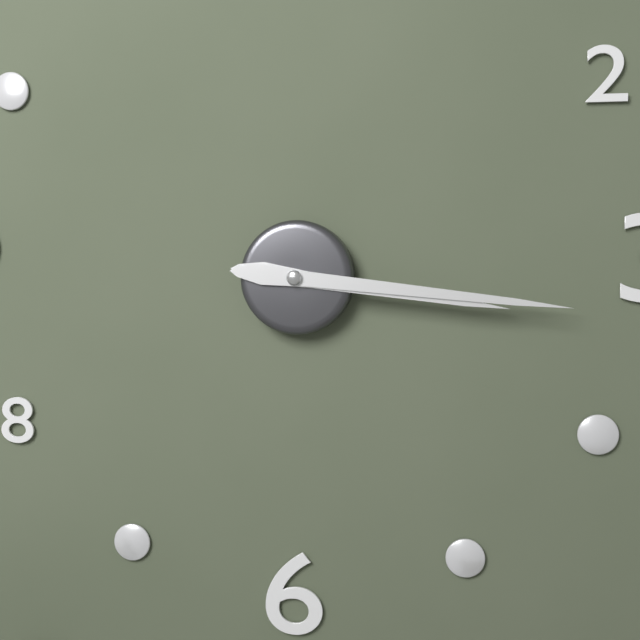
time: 3:16
